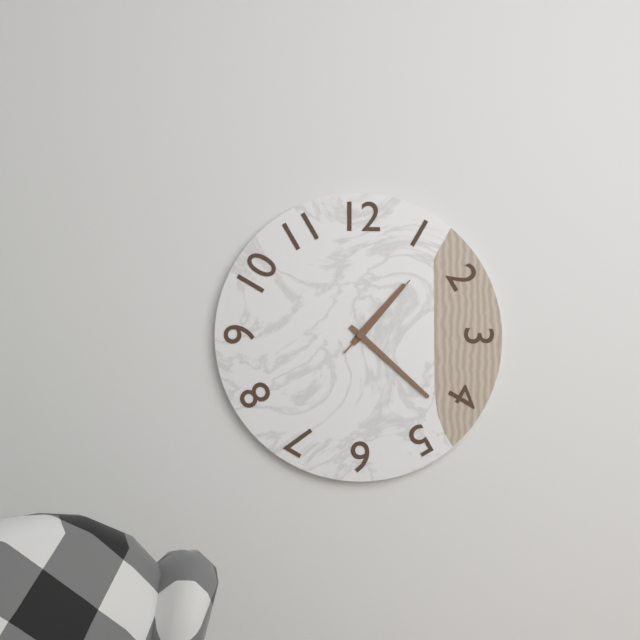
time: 1:22:07
